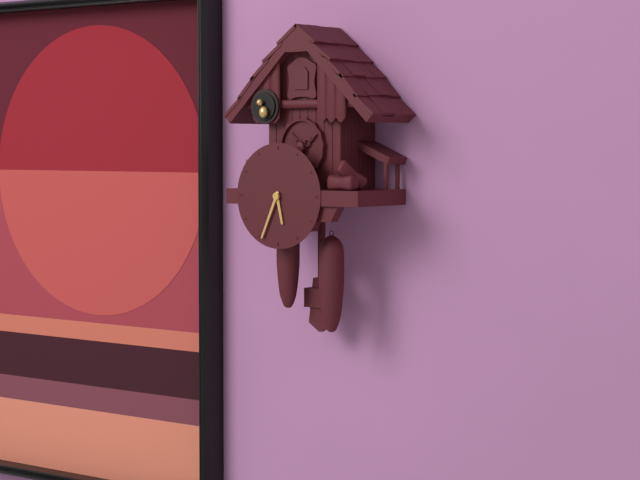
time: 5:34
